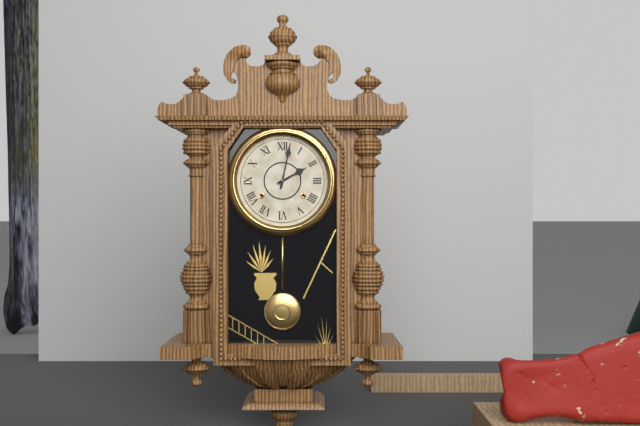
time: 2:02
